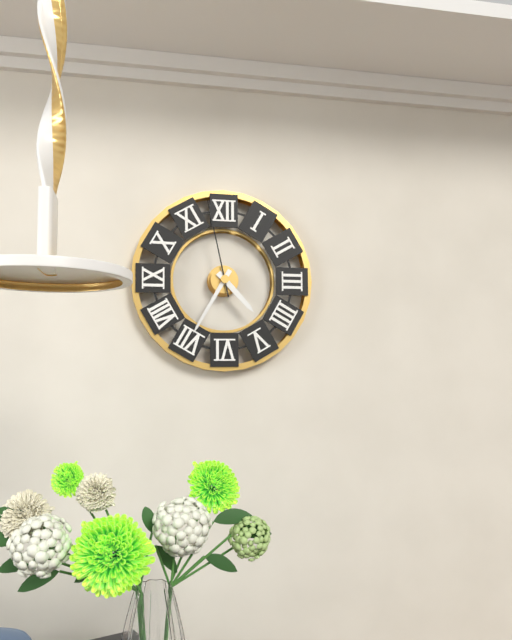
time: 4:35:58
